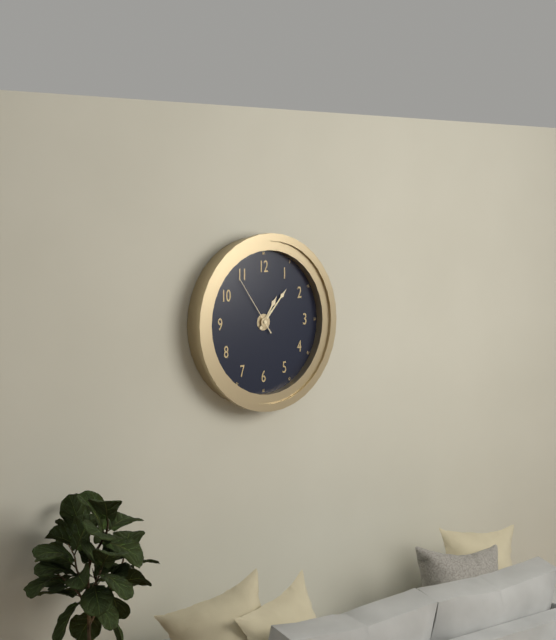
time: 1:07:54
